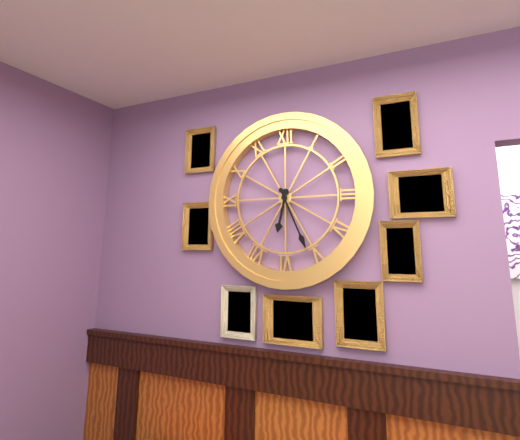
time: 6:26
